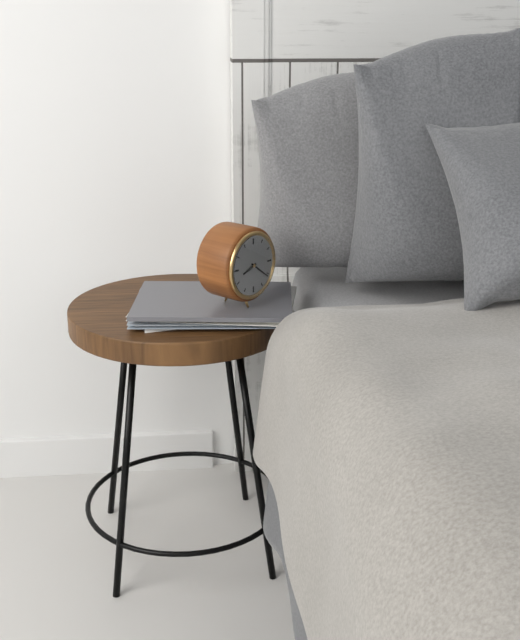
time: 8:21
